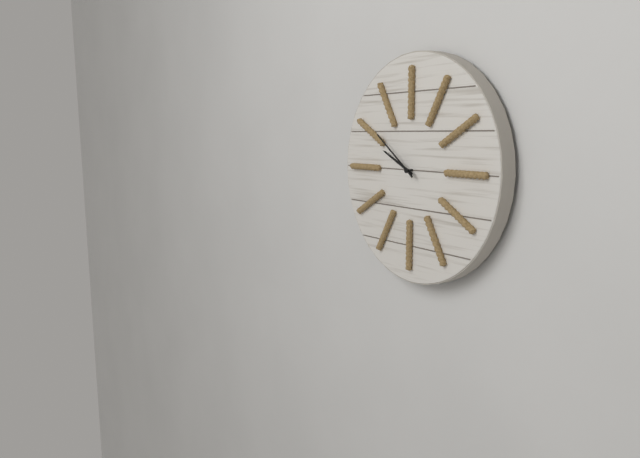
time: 9:51
